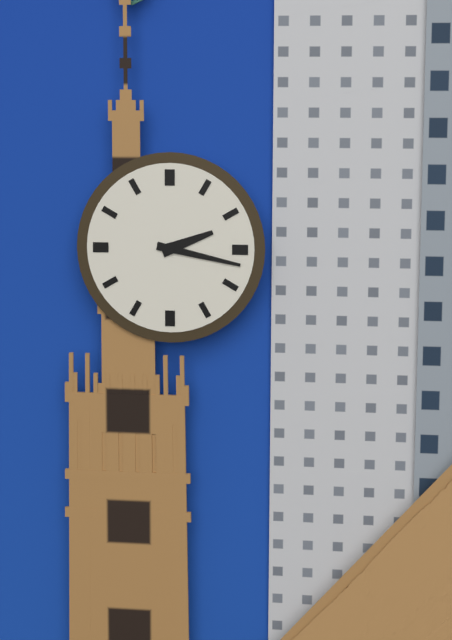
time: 2:17
